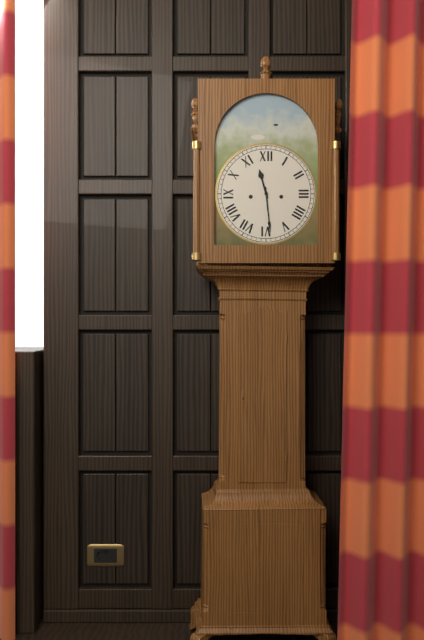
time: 11:29
